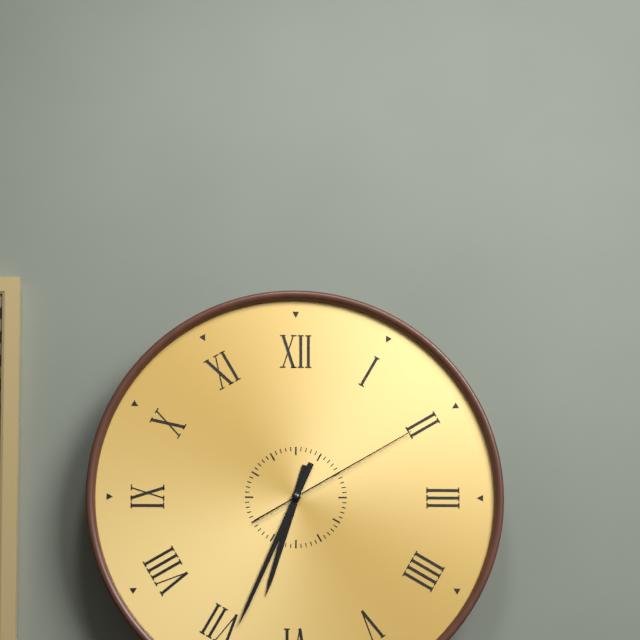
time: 6:34:10
